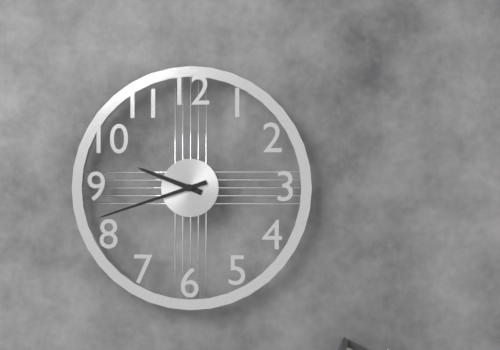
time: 9:42
